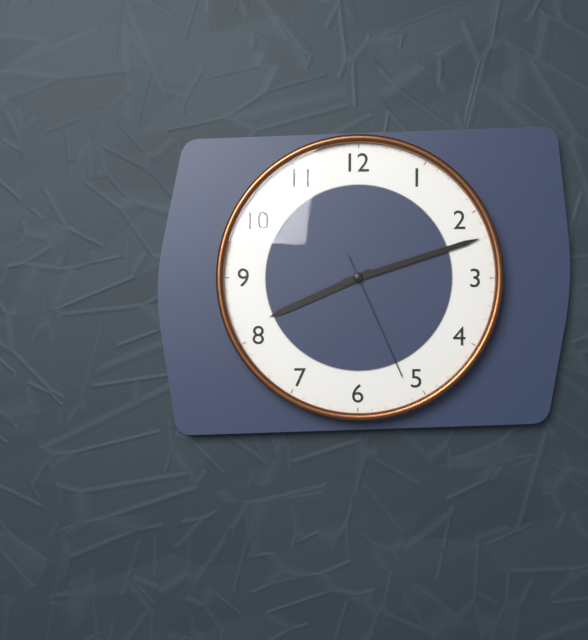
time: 8:12:26
